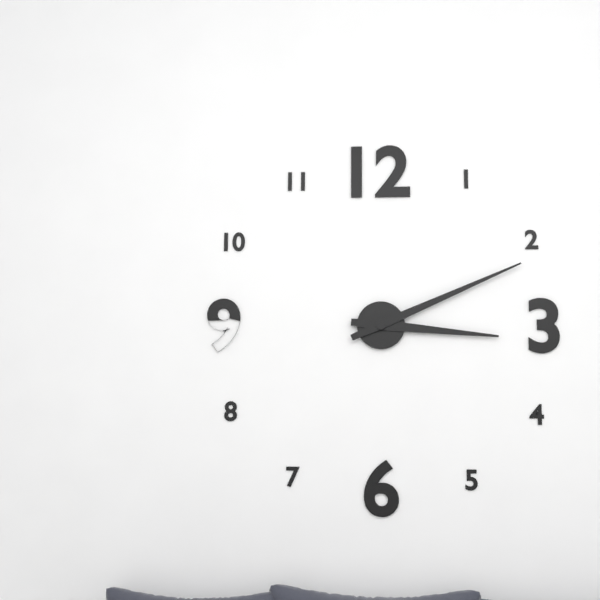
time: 3:11
